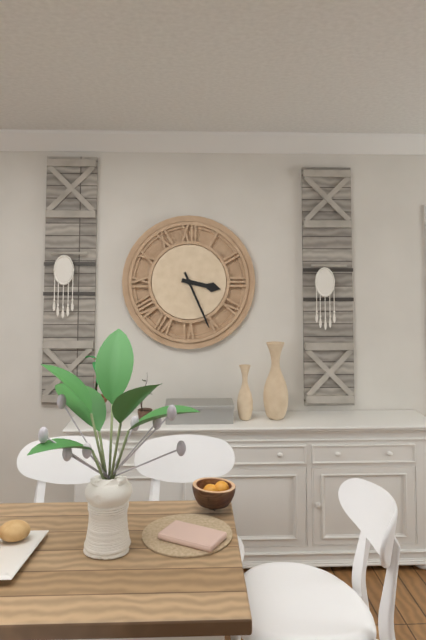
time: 3:26
